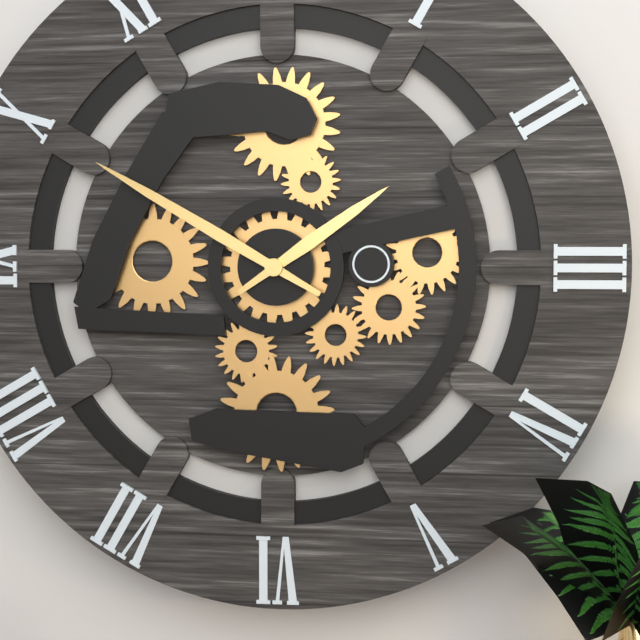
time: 1:50
